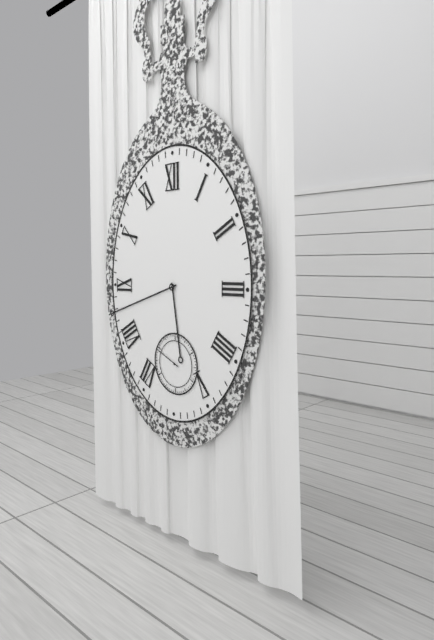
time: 5:42
